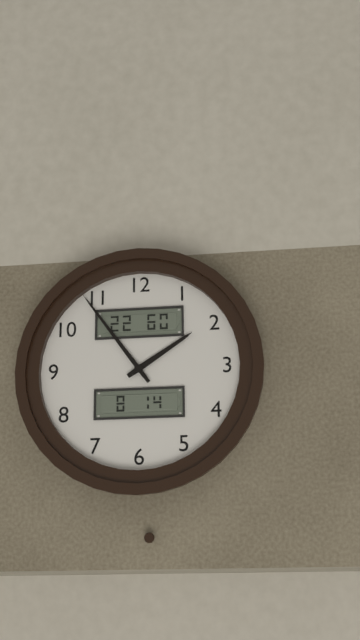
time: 1:54
